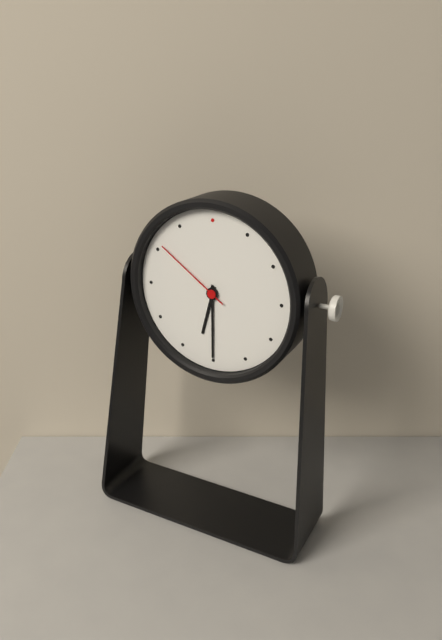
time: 6:30:51
